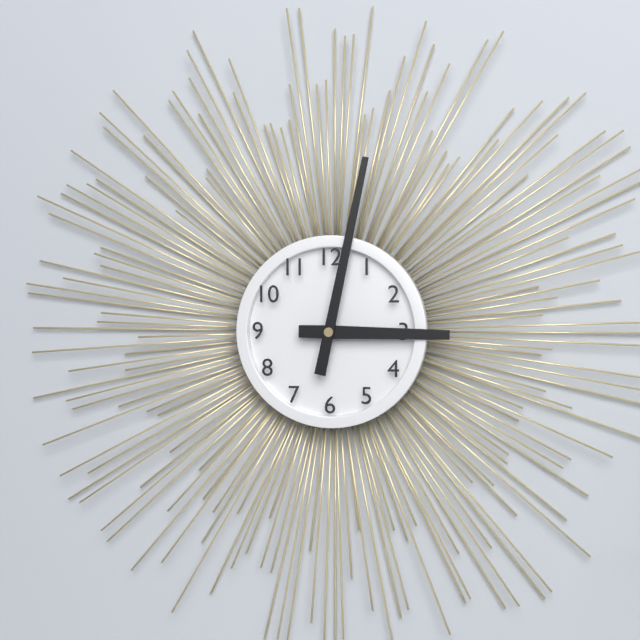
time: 3:02
